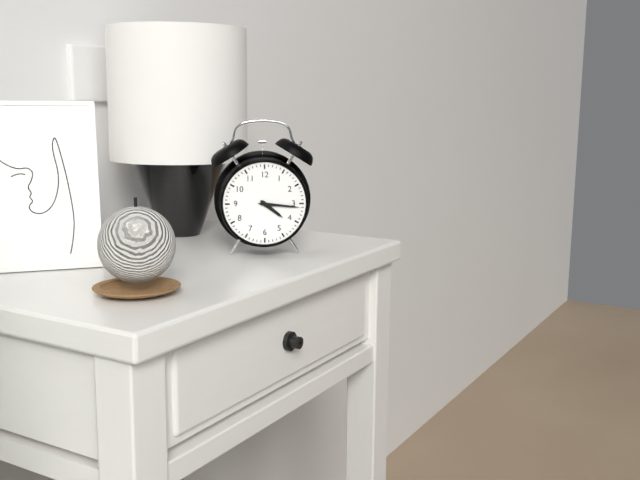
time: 4:16
